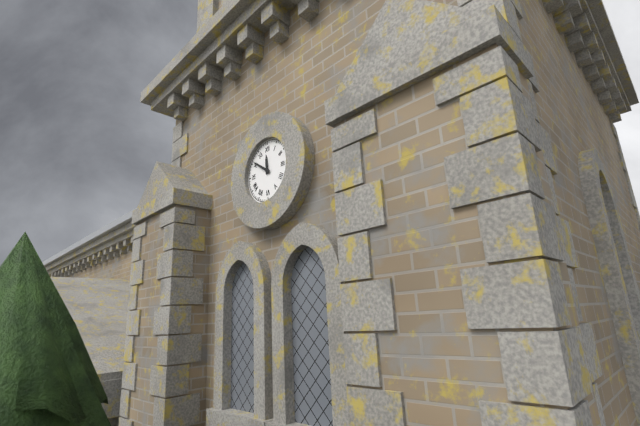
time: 11:51
